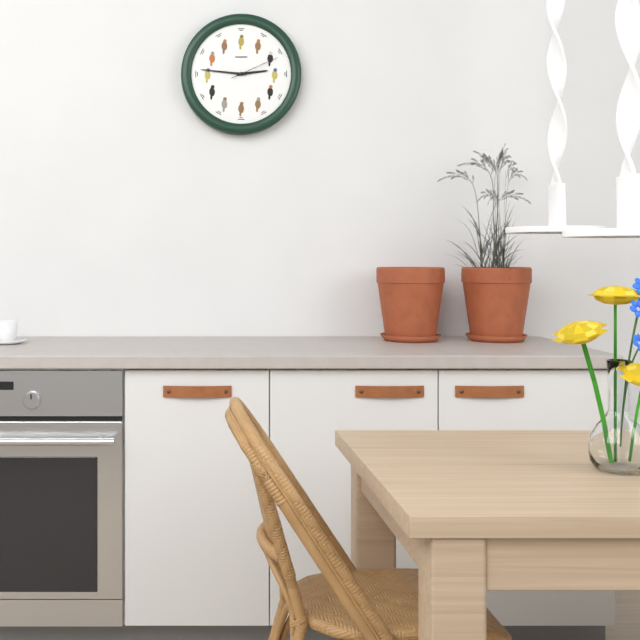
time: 2:46:11
